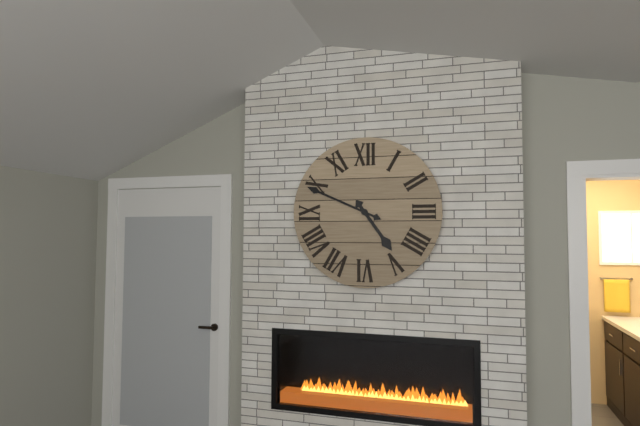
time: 4:49
